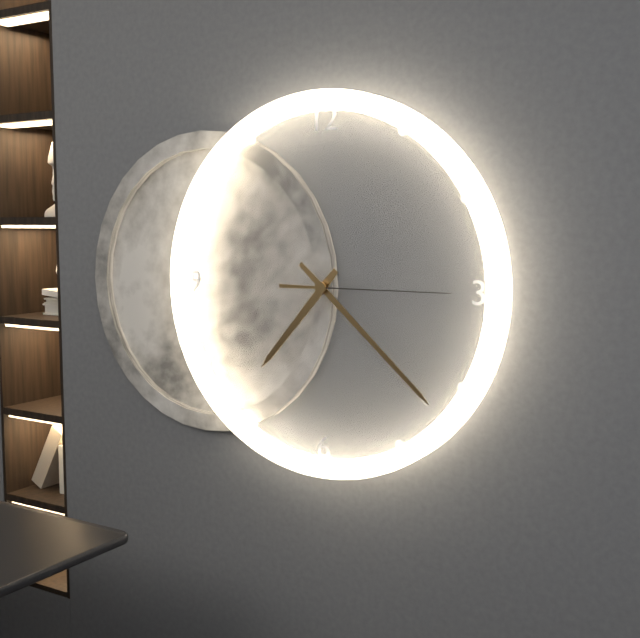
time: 7:22:15
